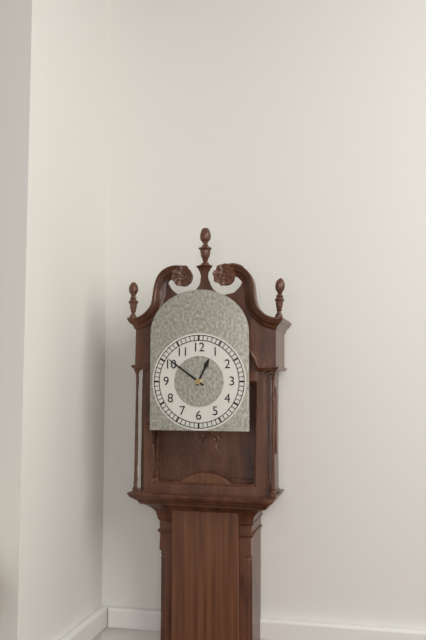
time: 12:51
